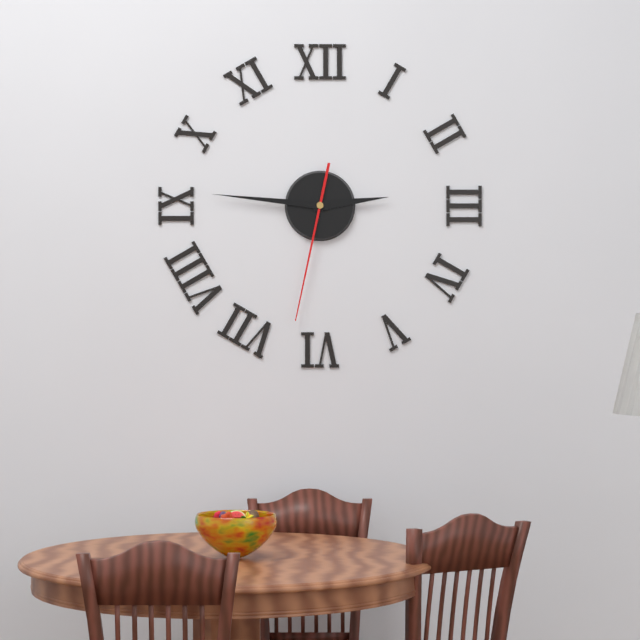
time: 2:46:32
